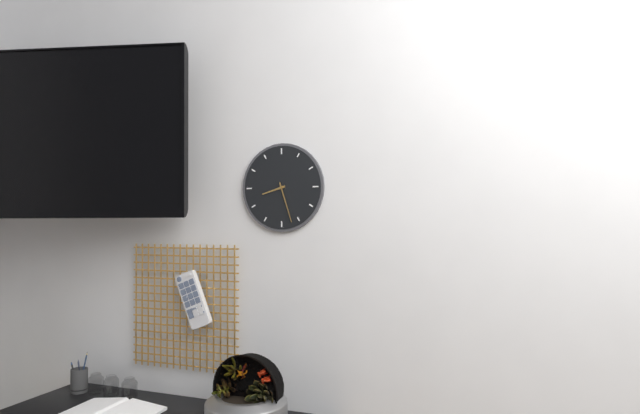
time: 8:27
